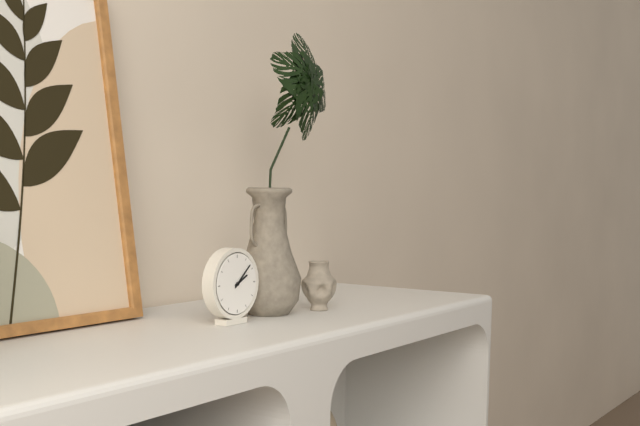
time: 2:08
